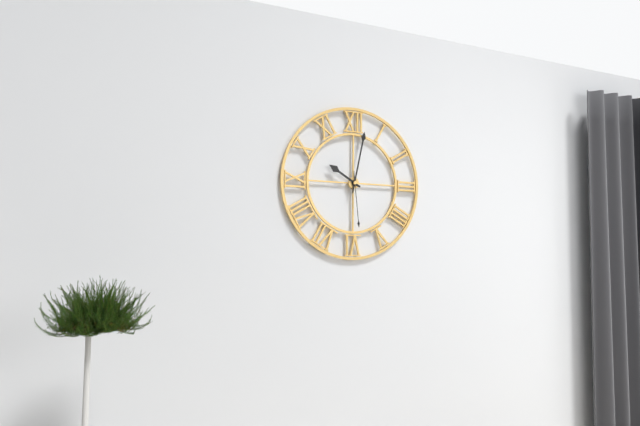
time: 10:02:29
